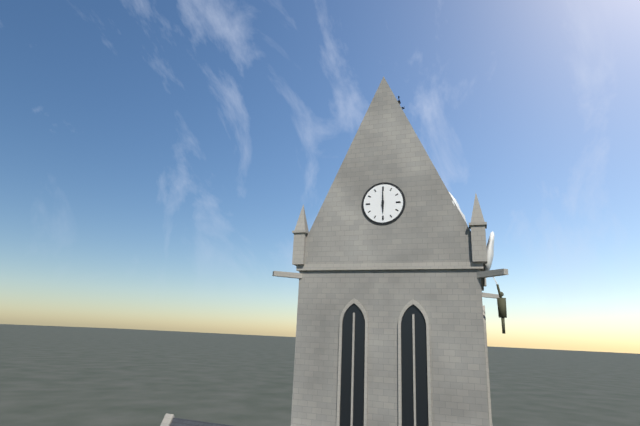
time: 6:00
